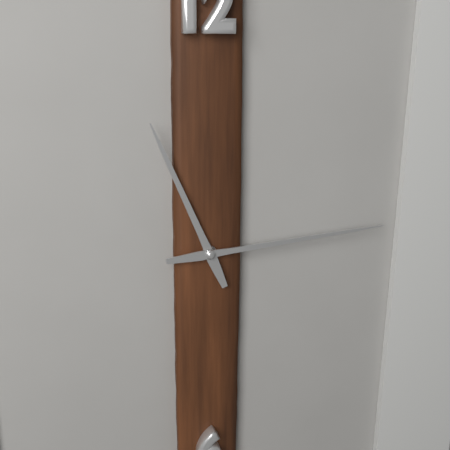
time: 11:14
